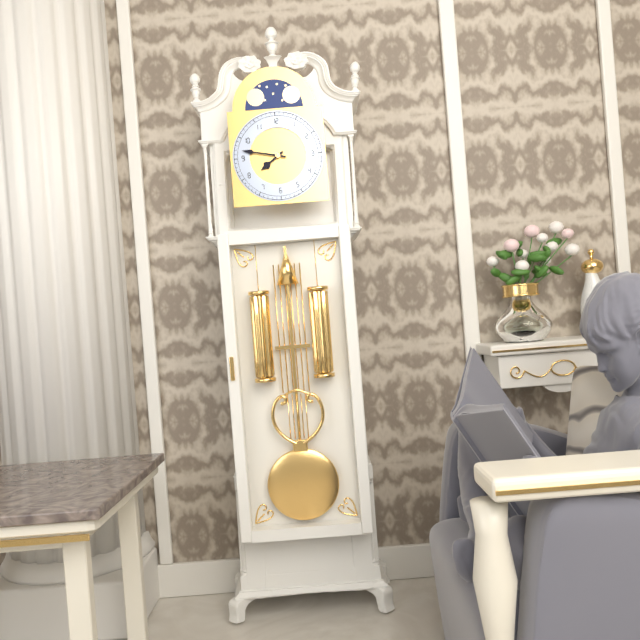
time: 7:47
